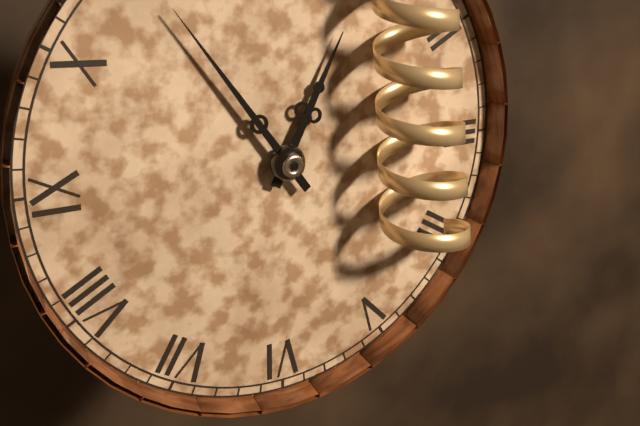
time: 12:54
